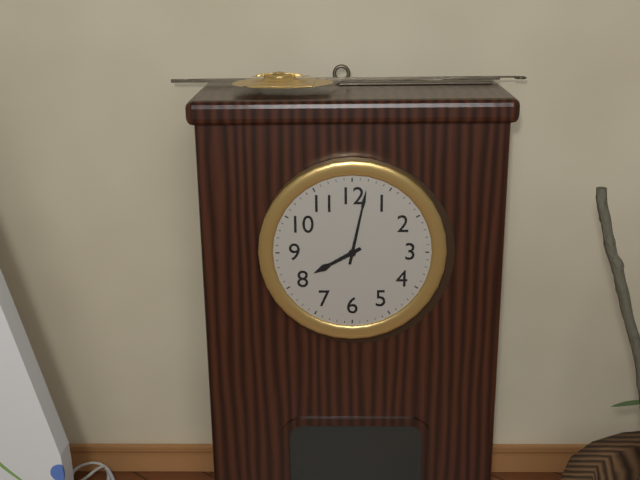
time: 8:02
